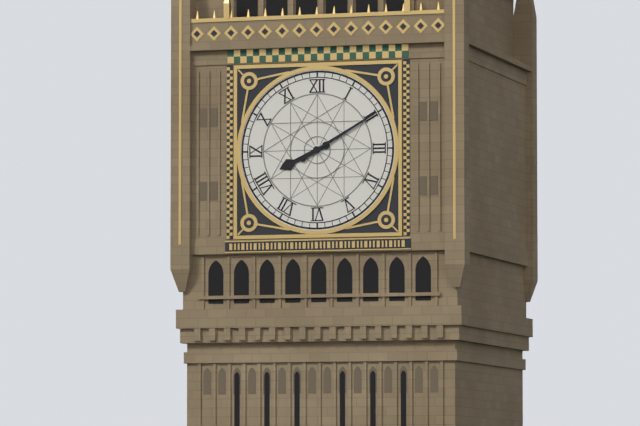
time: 8:10
